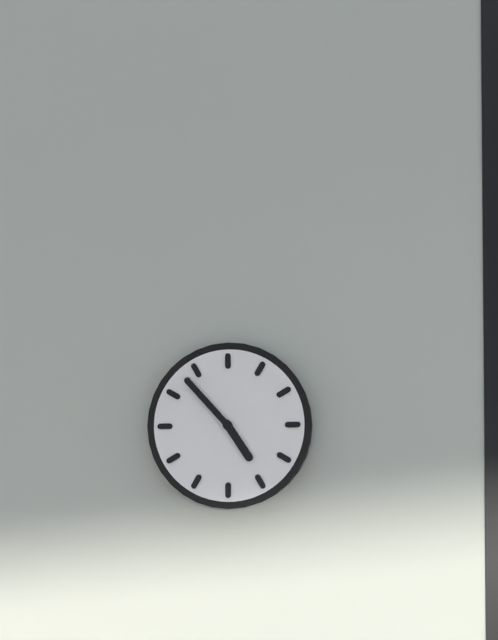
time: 4:53
